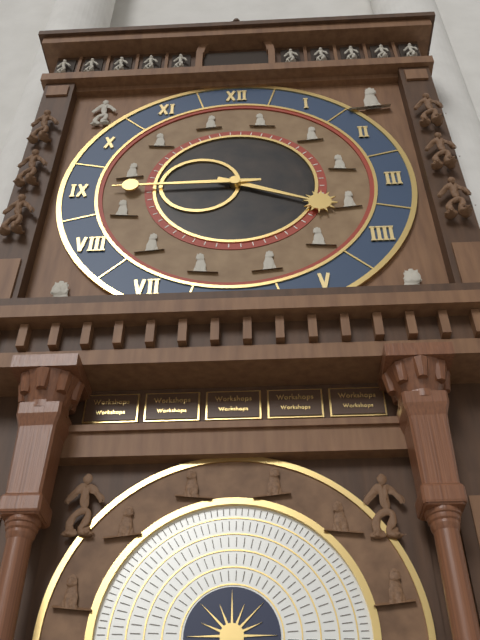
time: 3:45
